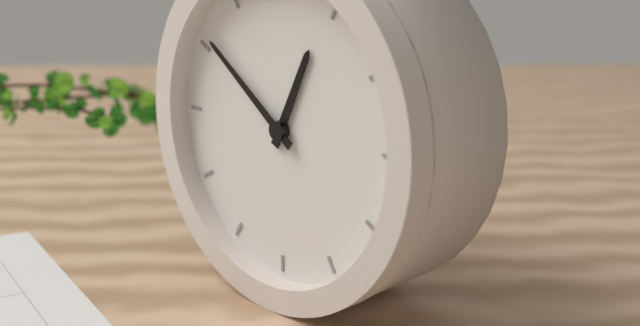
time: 12:51
